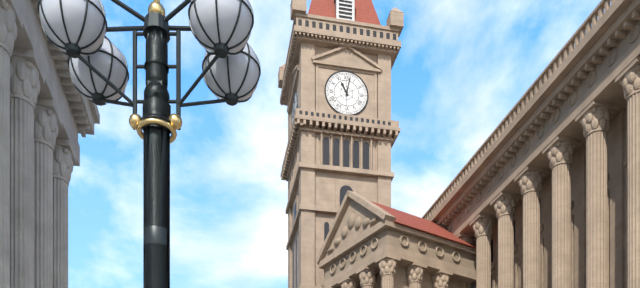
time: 11:02
